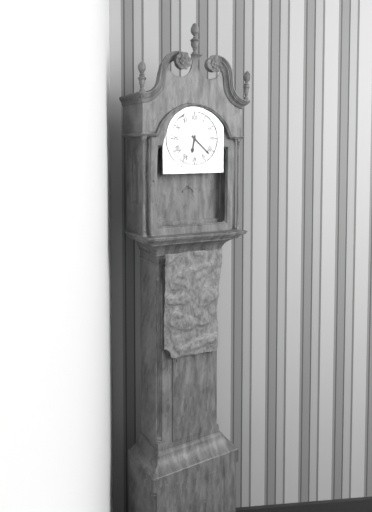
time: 6:22
